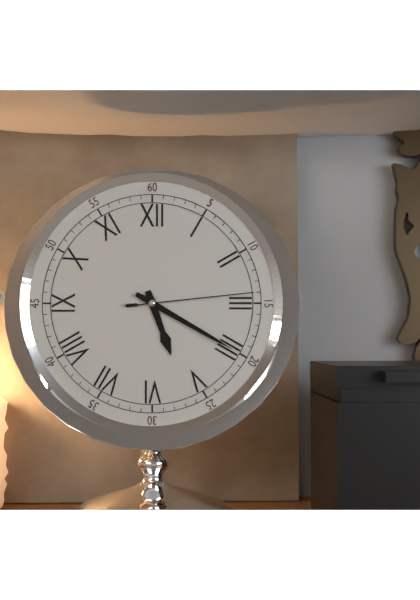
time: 5:20:14
